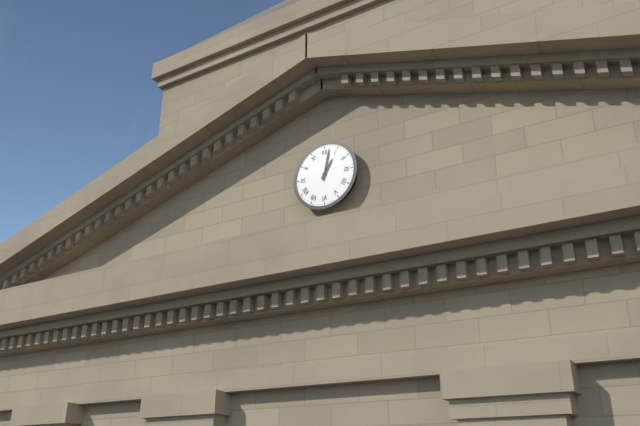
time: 1:02
